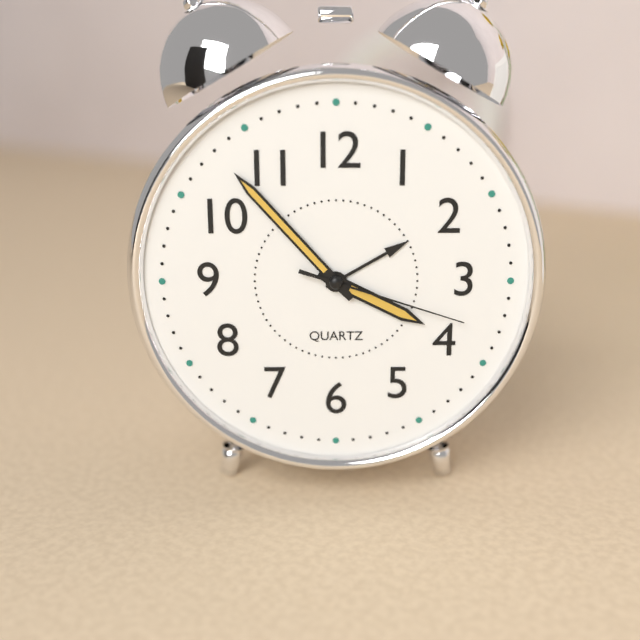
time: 3:53:18
